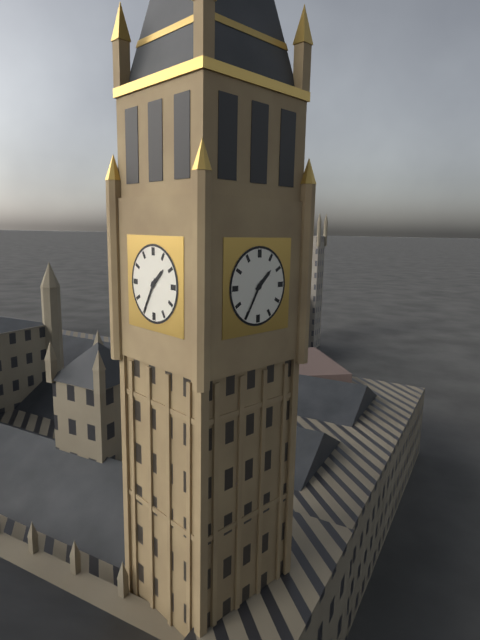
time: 1:35
